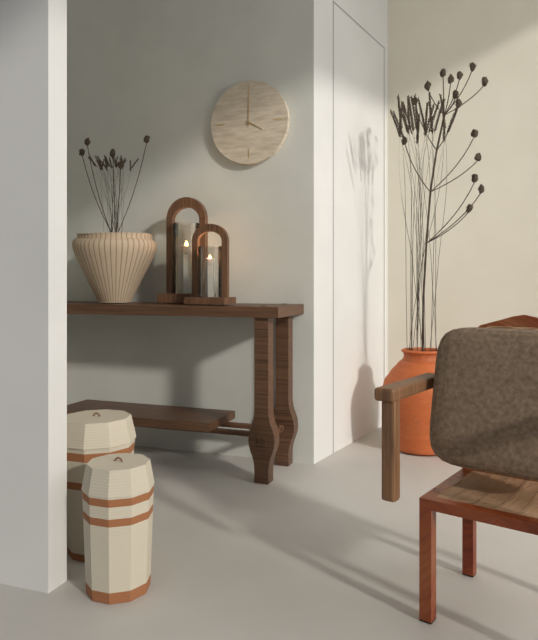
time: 4:00
